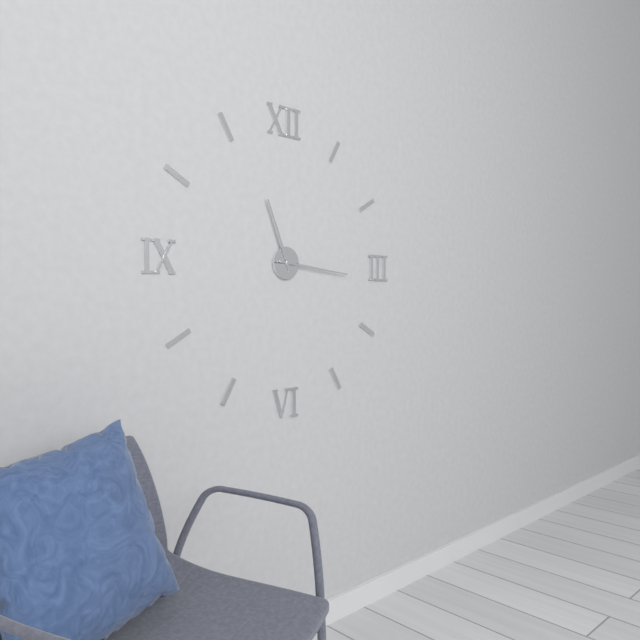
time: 11:16
